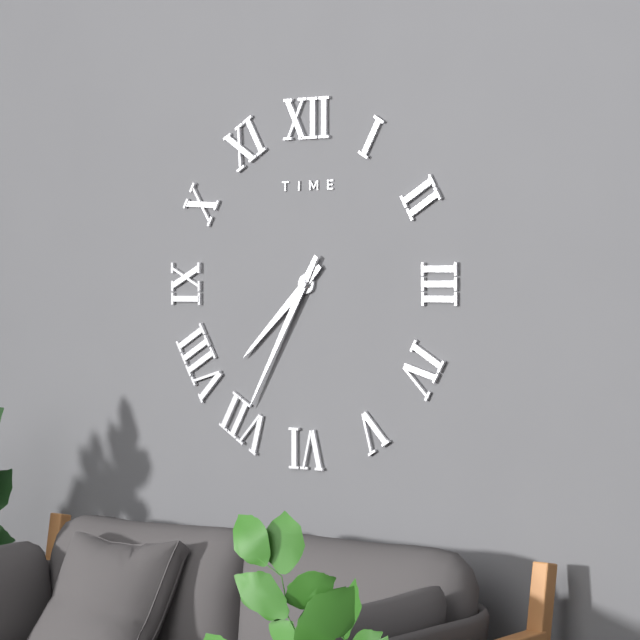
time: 7:35
